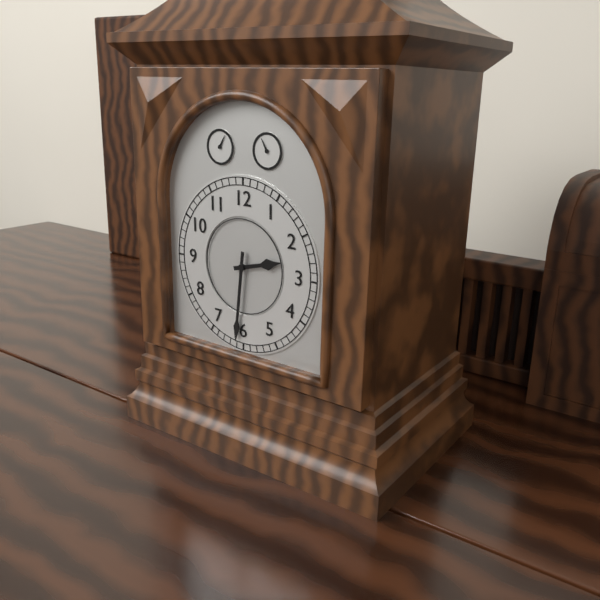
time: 2:31
